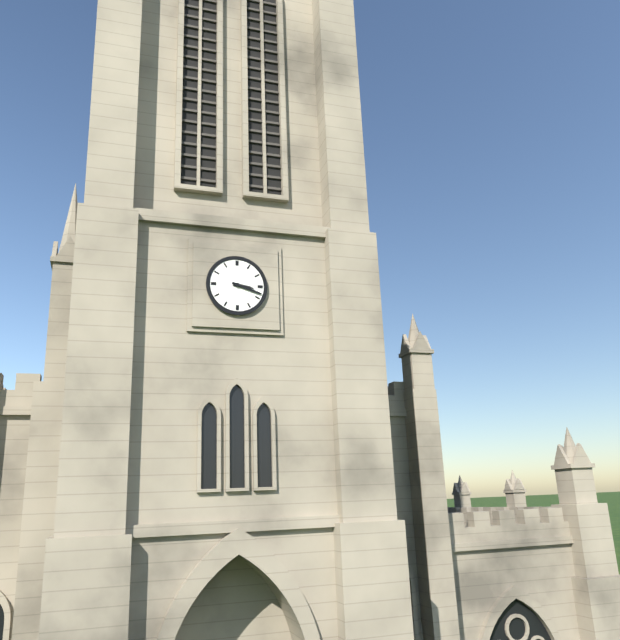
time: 3:18
